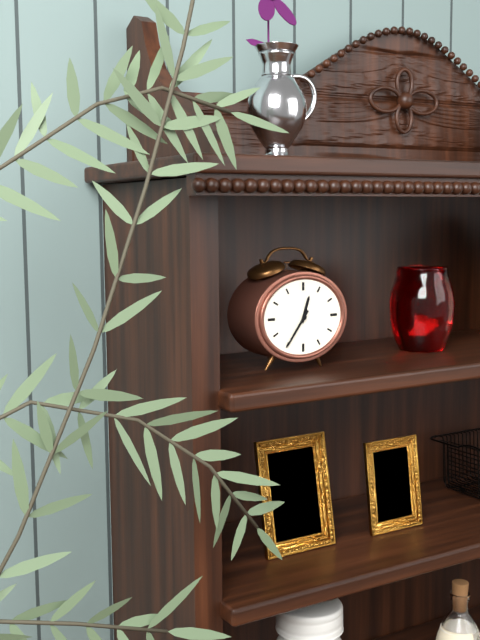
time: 12:36
